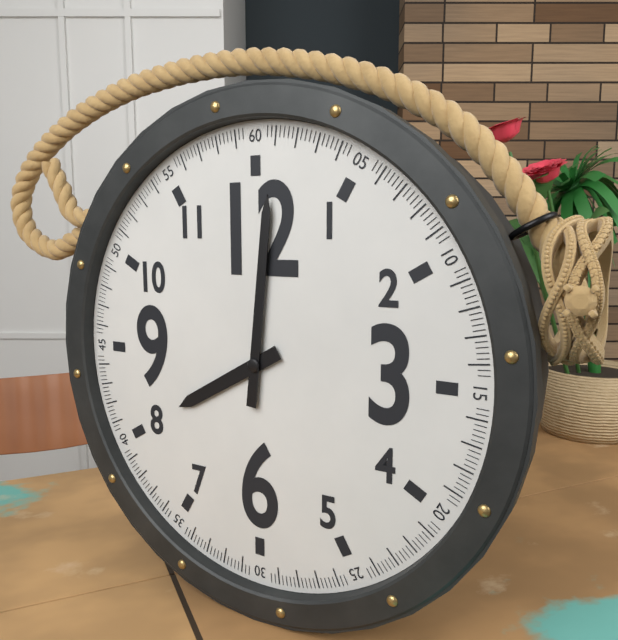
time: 8:01
